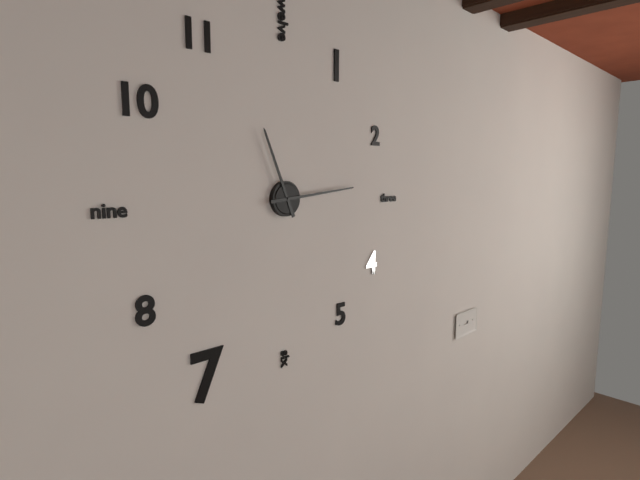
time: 11:14
